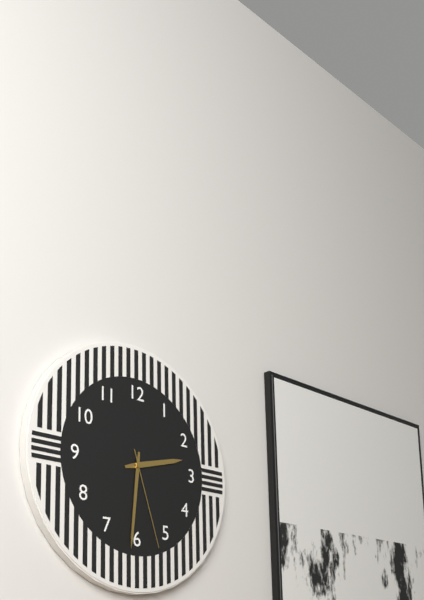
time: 2:31:27
